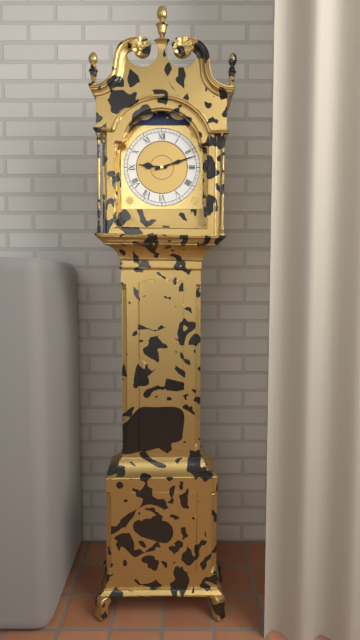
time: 9:12
